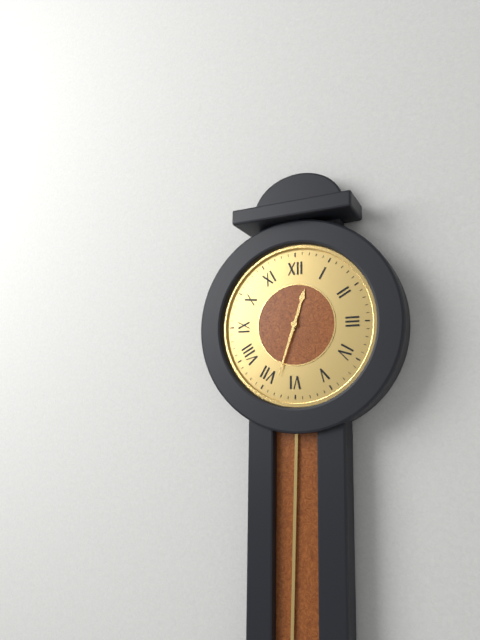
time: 12:33
